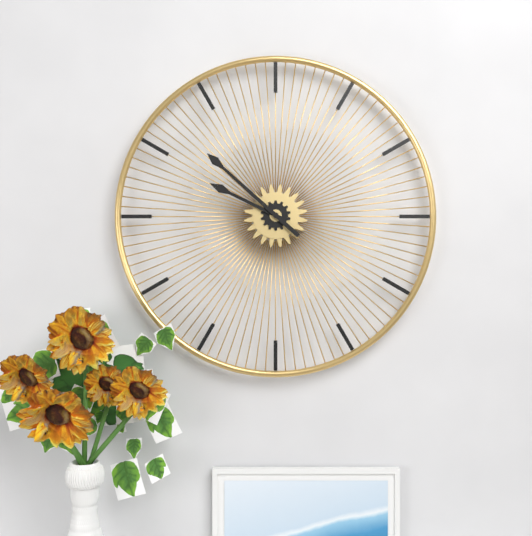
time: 9:52
